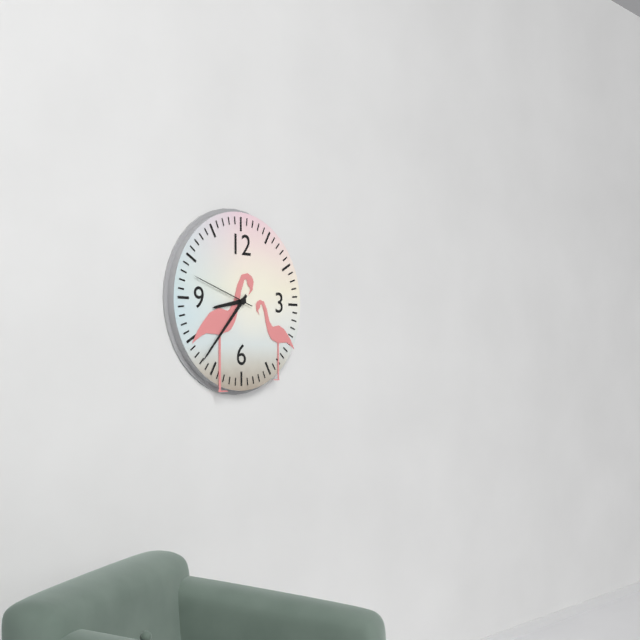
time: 8:37:48
